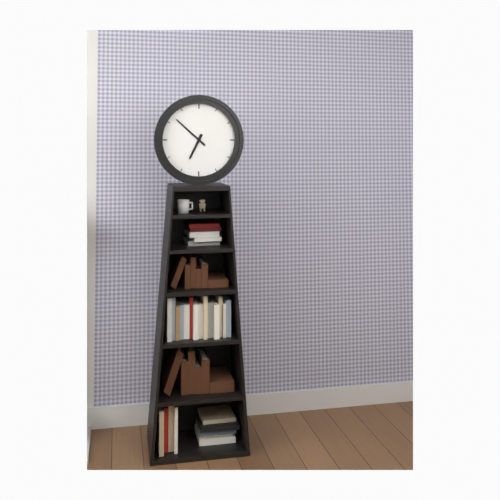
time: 6:52
